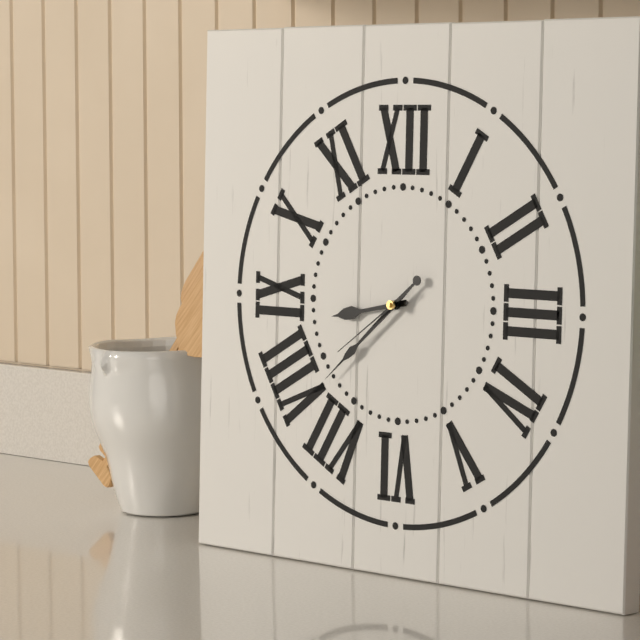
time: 8:38:39
